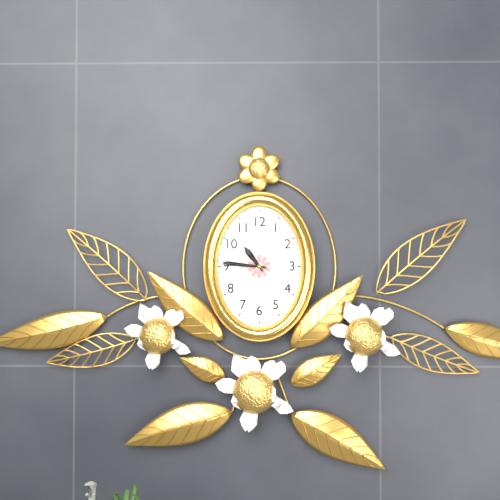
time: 10:46
